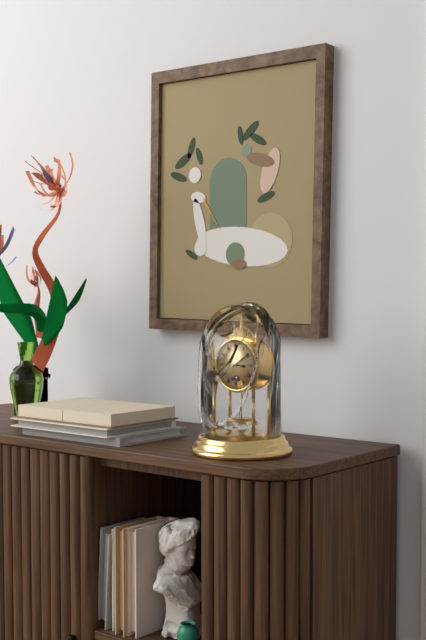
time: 3:09
